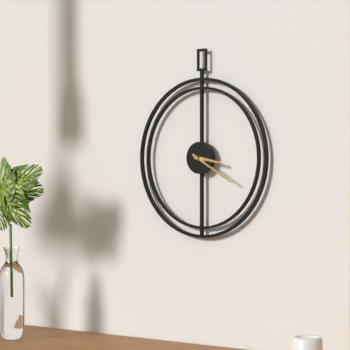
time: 3:20
